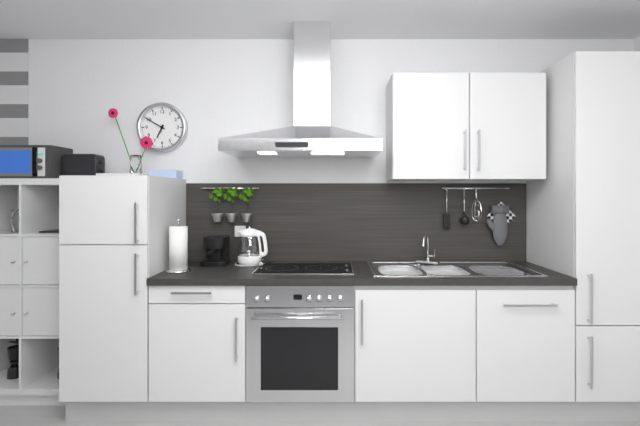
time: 6:50
